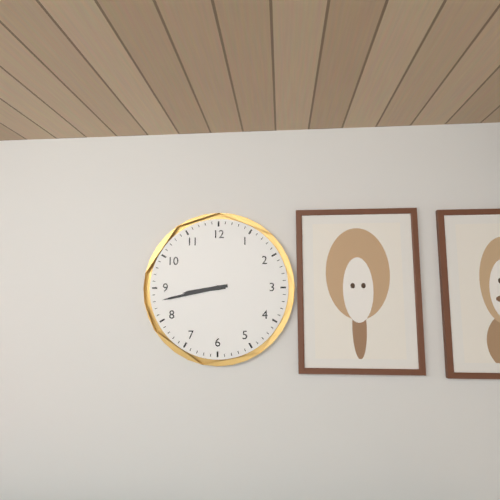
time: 8:43
